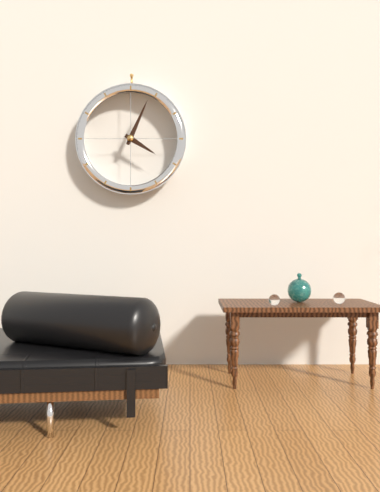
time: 4:04
